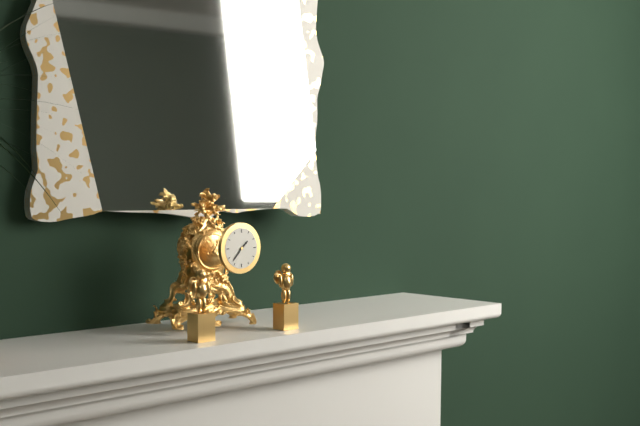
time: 1:37
